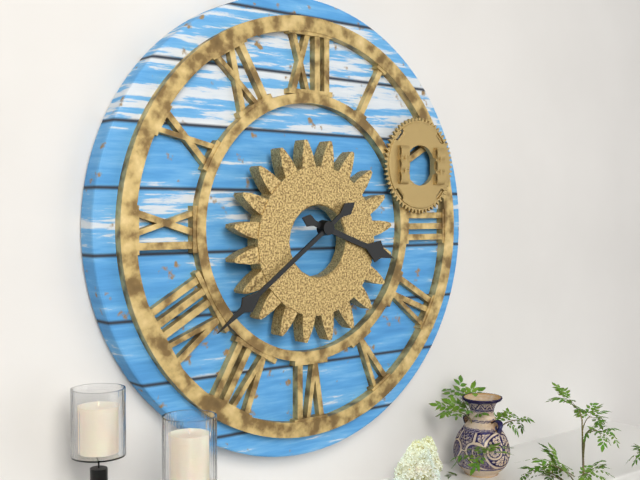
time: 3:39
